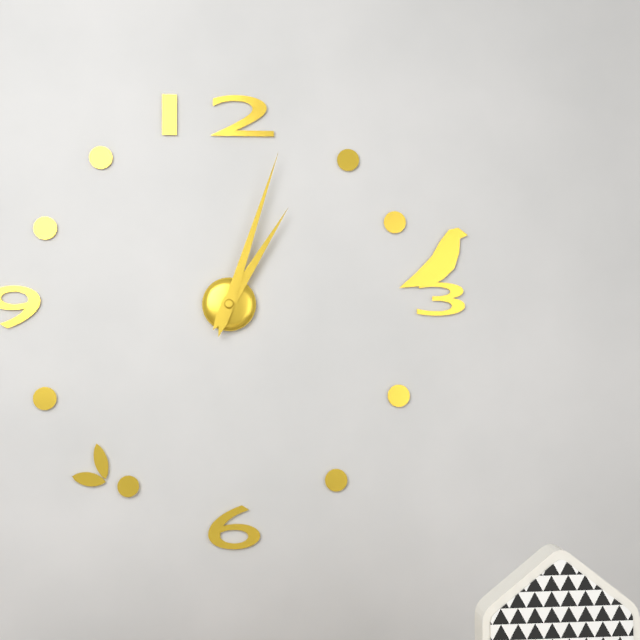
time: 1:03
